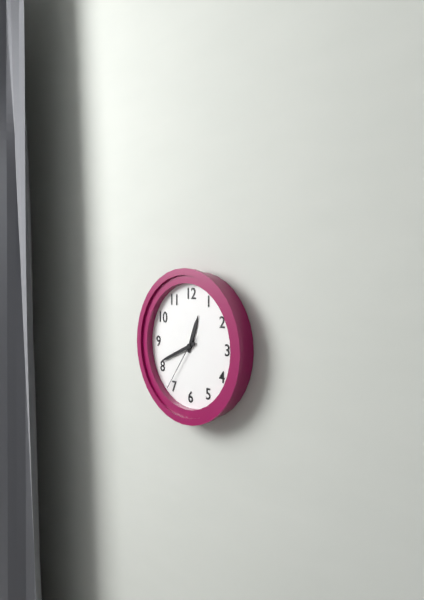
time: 12:41:36
